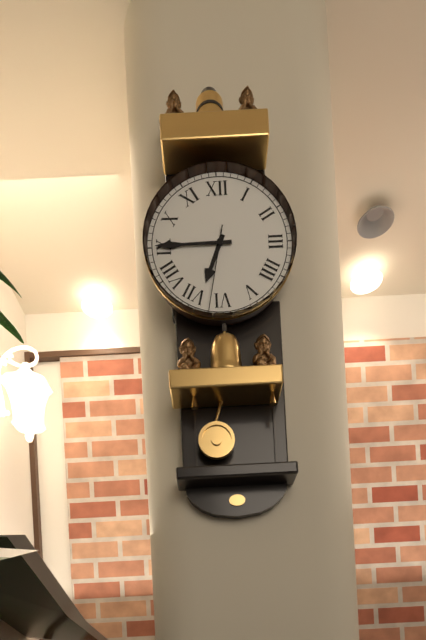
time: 6:45:32
